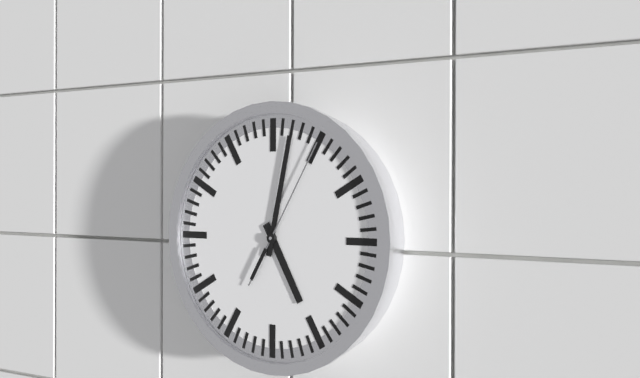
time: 5:02:05
